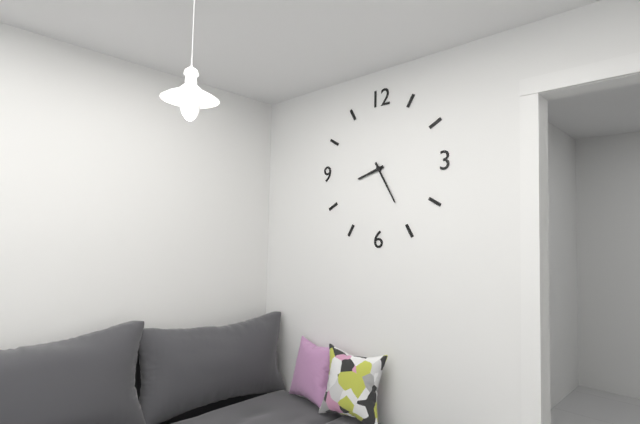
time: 8:25
